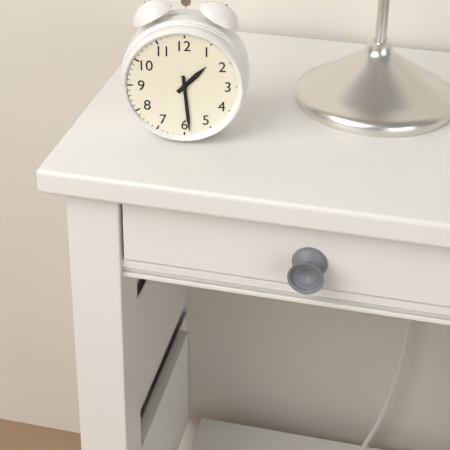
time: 1:29
